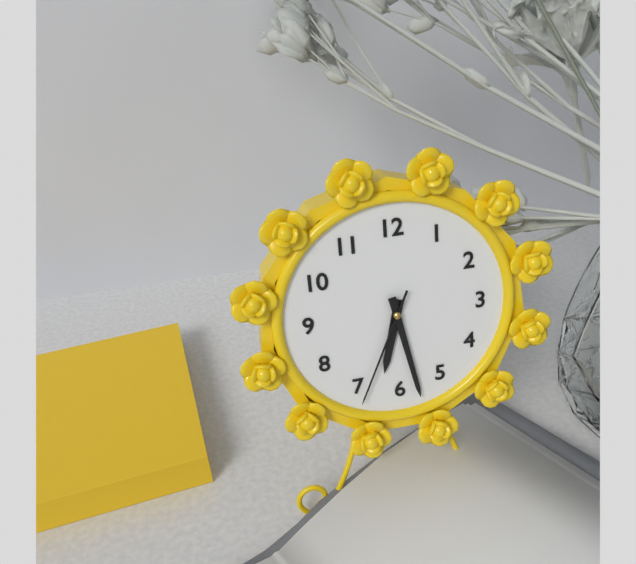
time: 6:28:34
